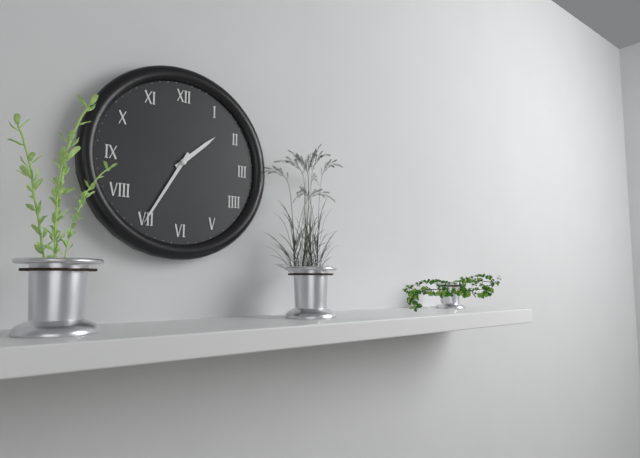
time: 1:35
